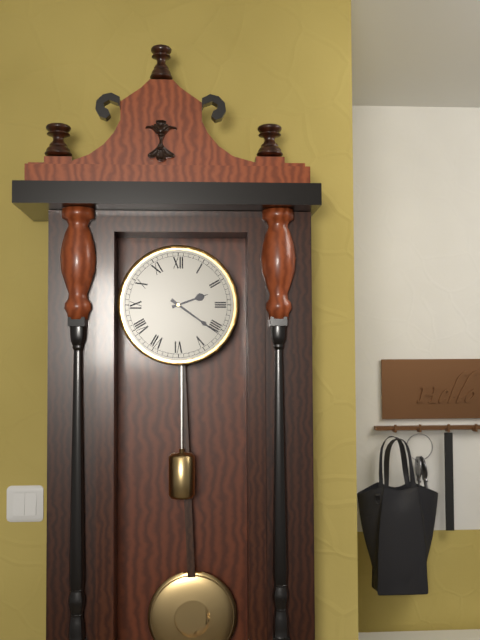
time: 2:21
